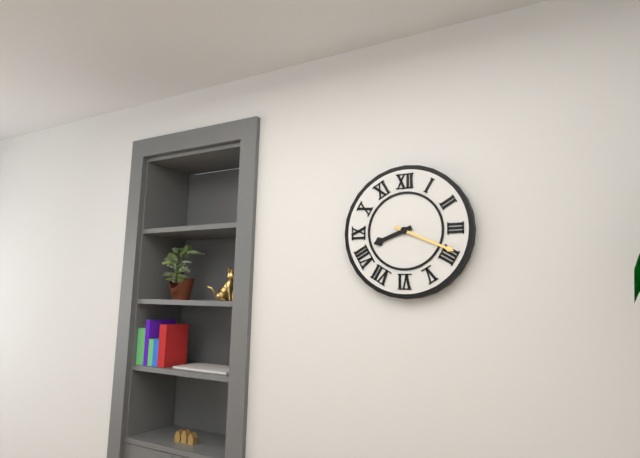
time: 8:19
